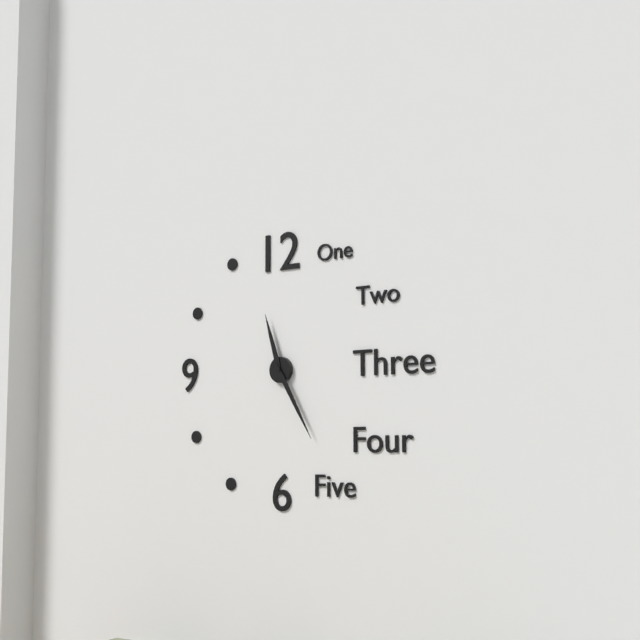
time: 11:25
